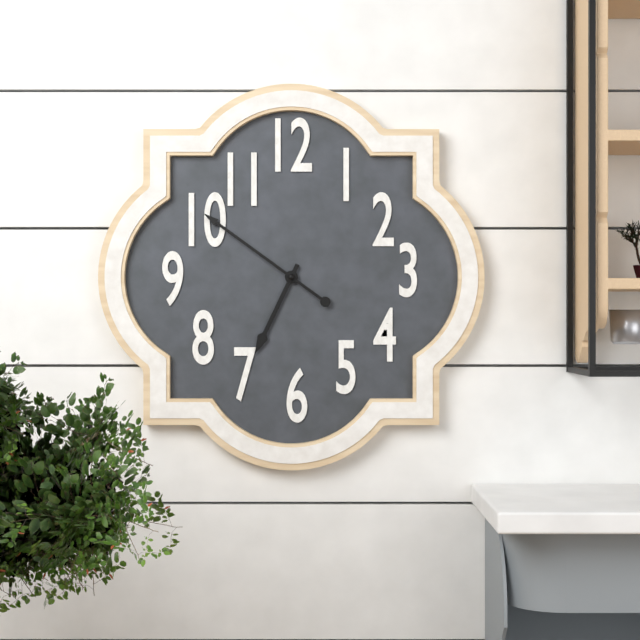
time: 6:51
